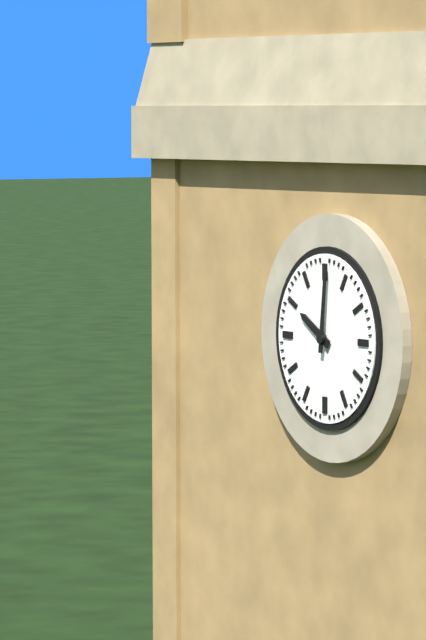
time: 10:01
